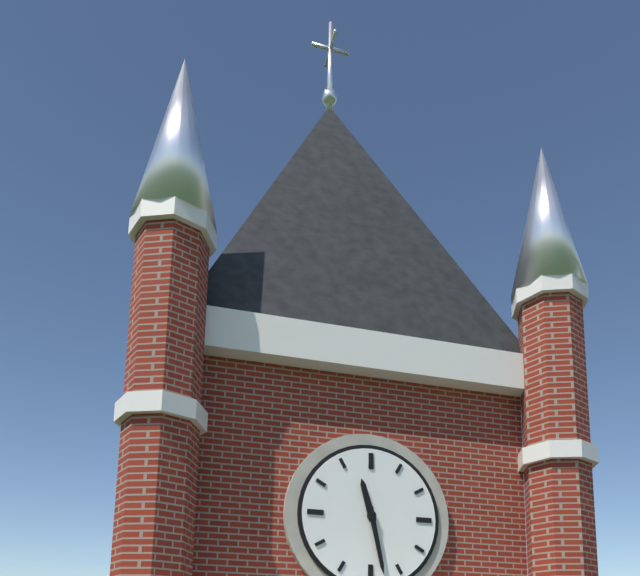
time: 11:28
